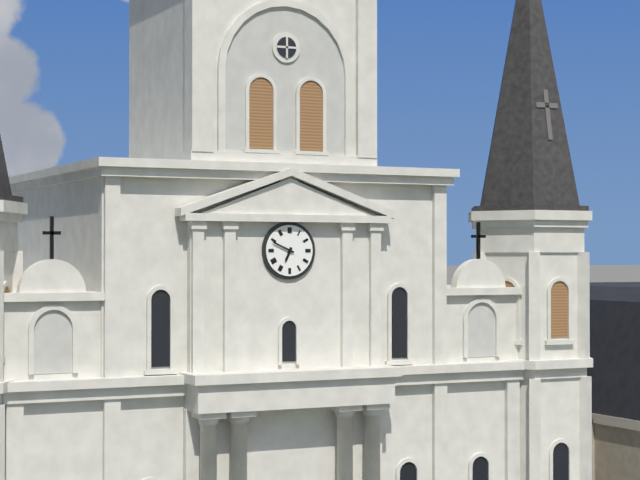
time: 6:49
